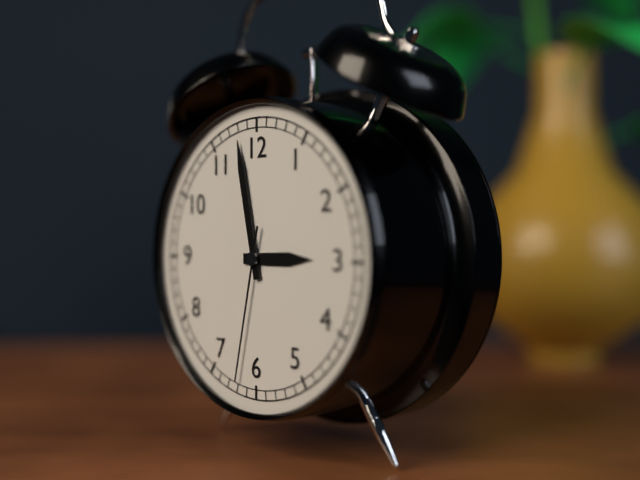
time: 2:58:32
